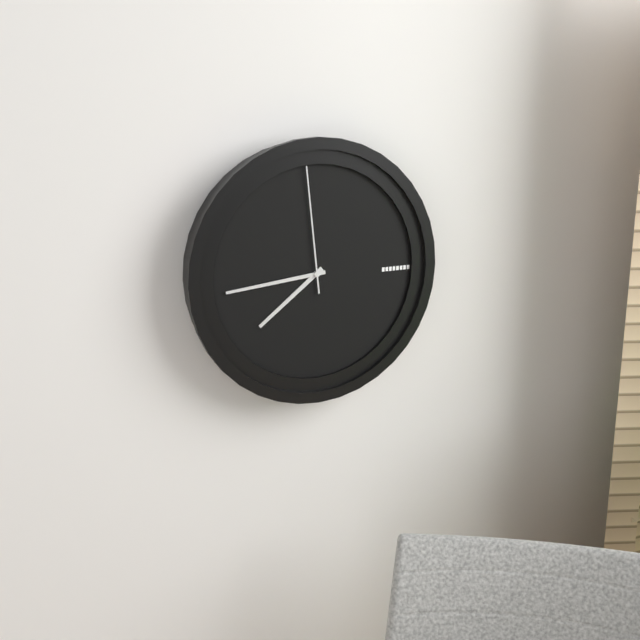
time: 7:44:59
